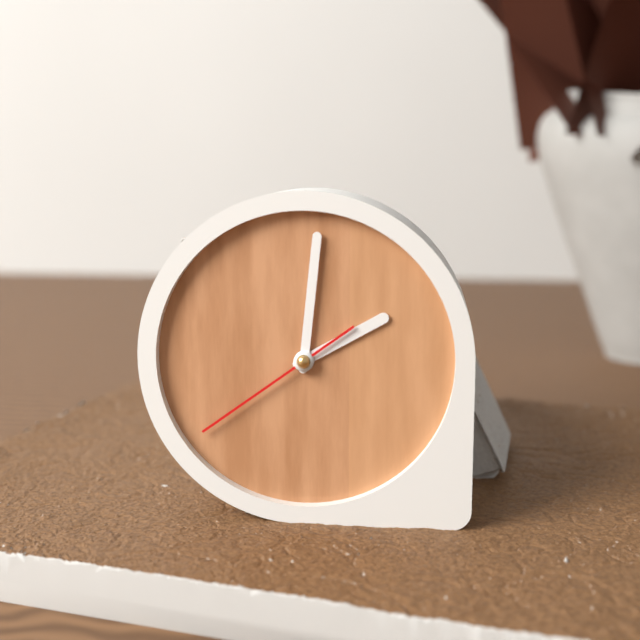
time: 2:01:39
